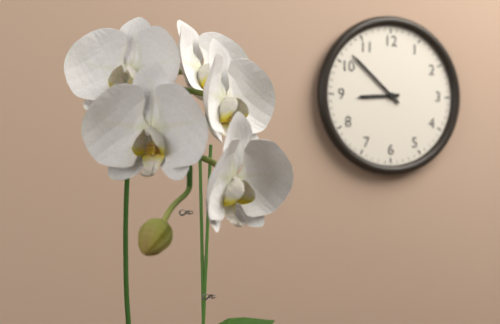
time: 8:52
